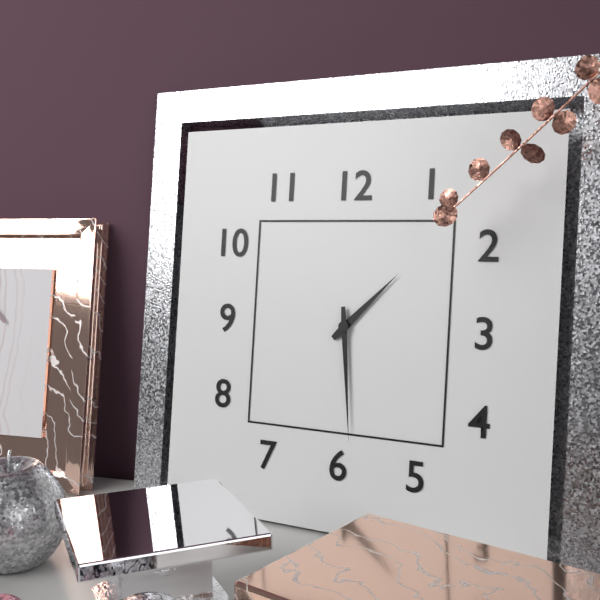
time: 1:29
